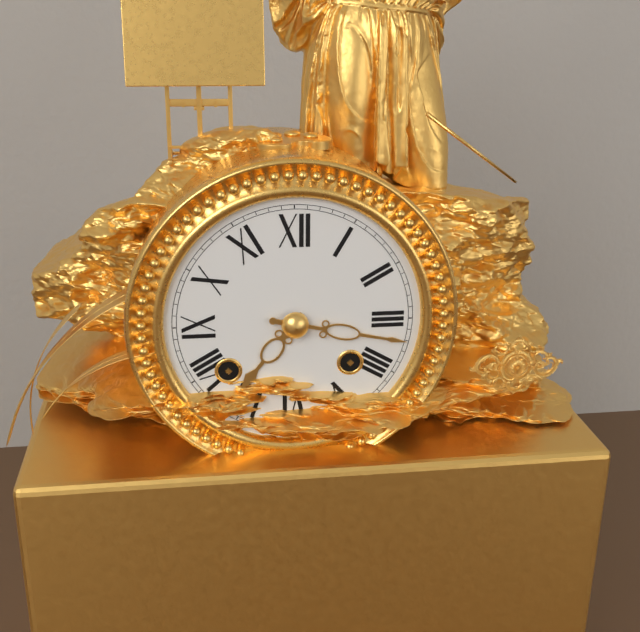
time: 7:17
